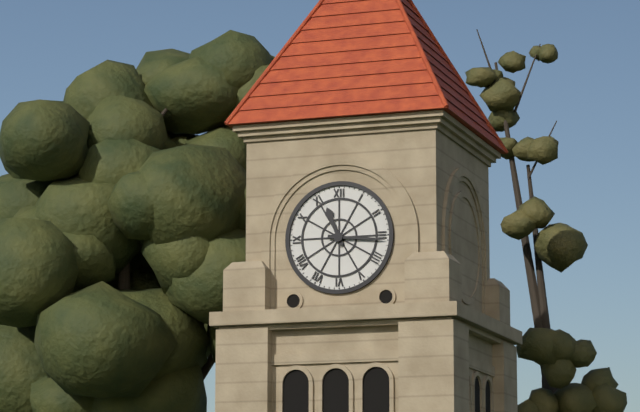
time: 11:16
